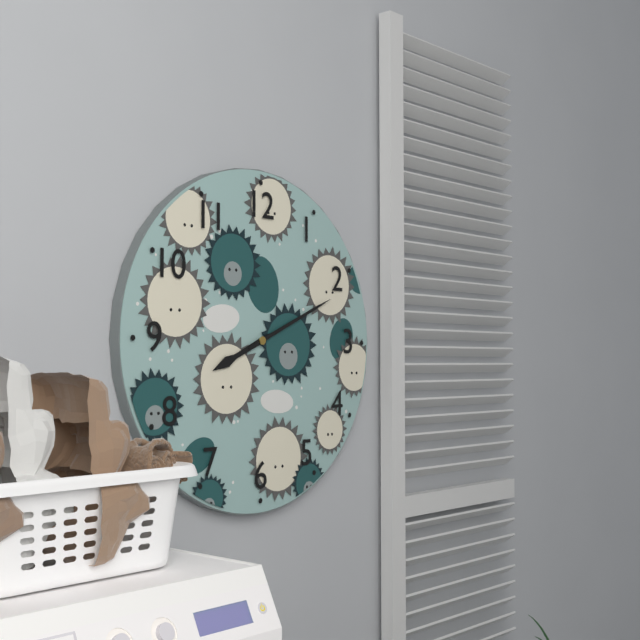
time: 8:11
